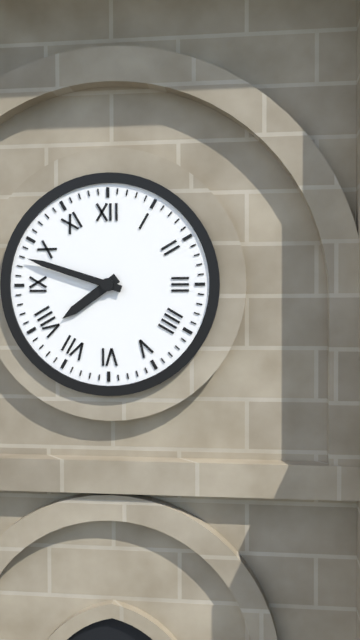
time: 7:48
